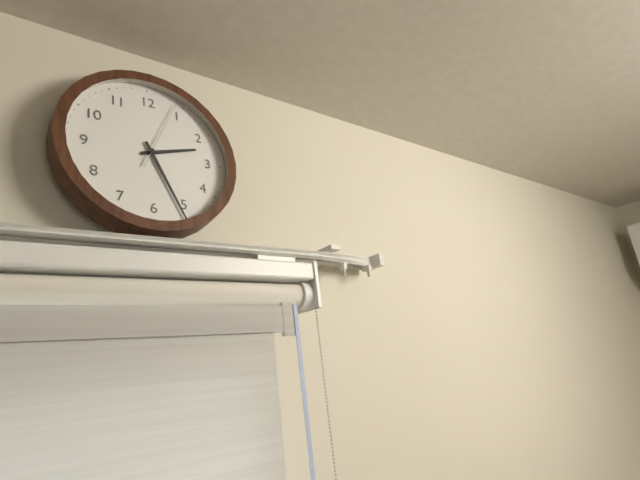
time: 2:26:04
